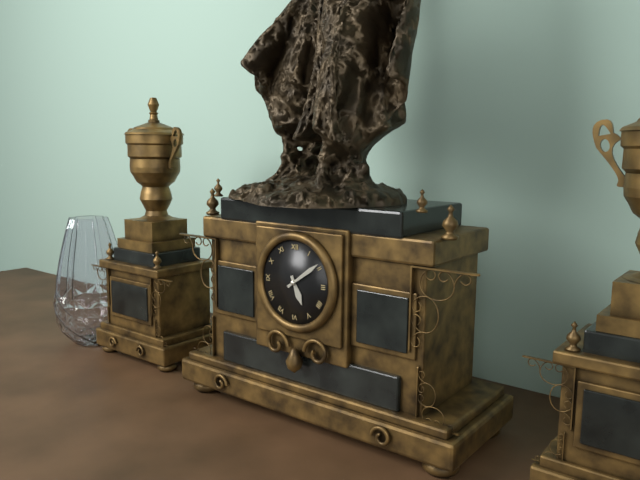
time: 5:09
